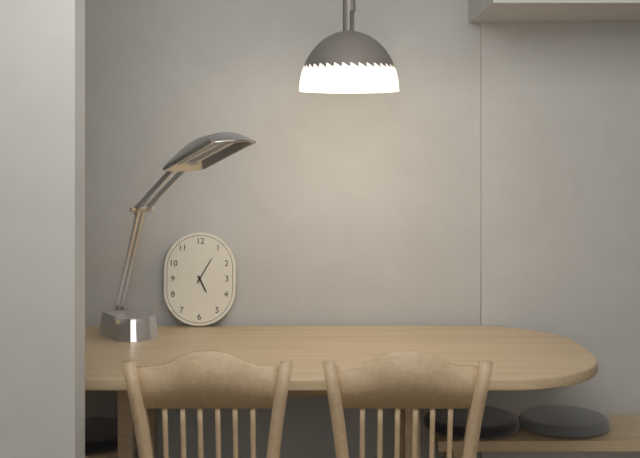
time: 5:05
